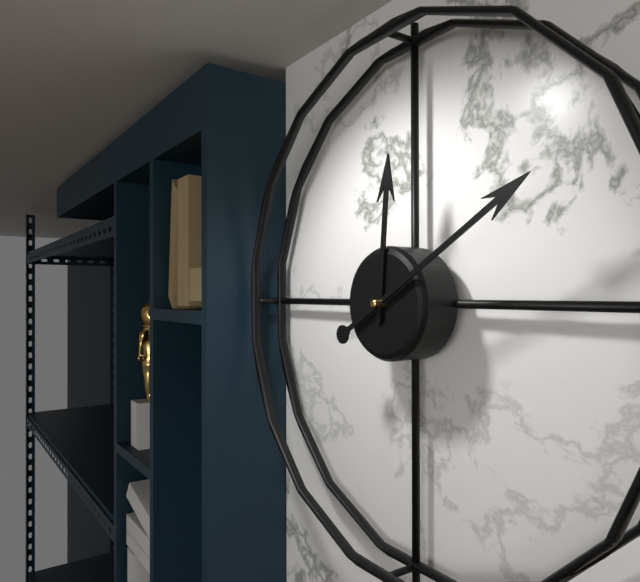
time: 12:10
